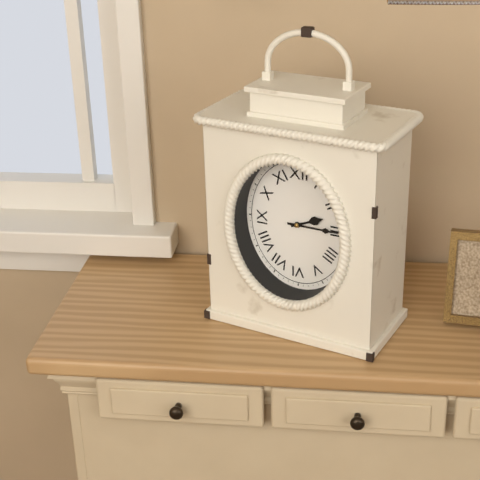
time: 2:15
